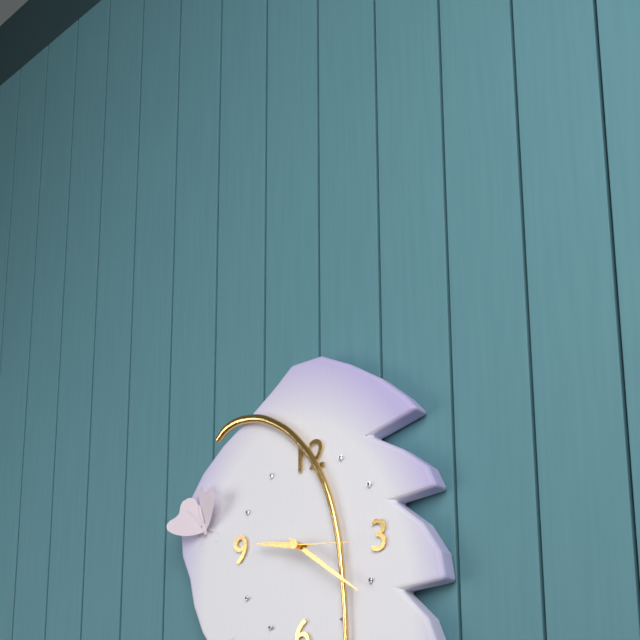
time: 9:21:16
